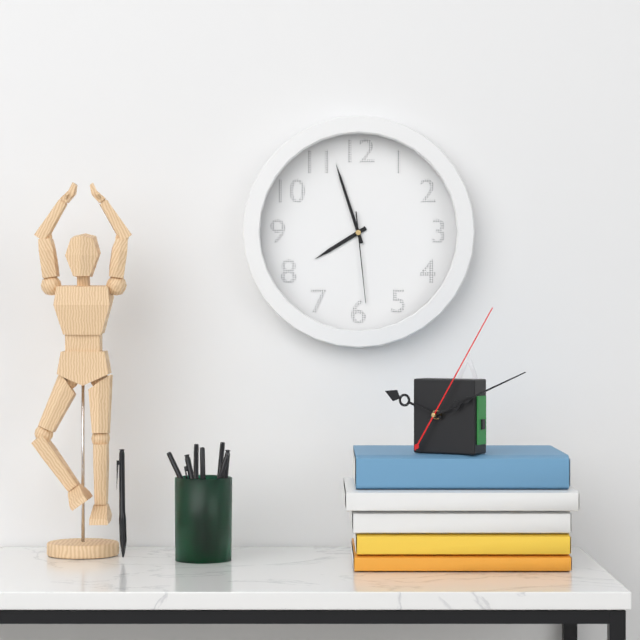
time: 7:57:29
